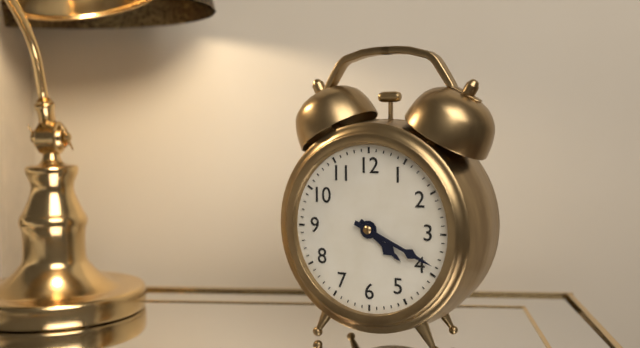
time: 4:19
